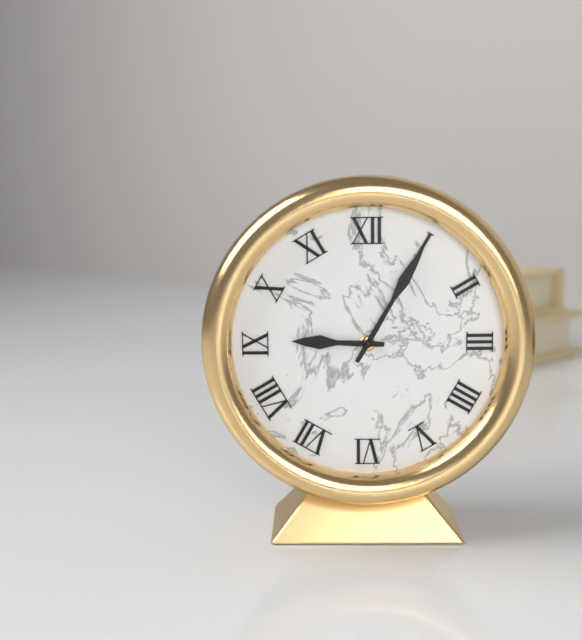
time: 9:05
